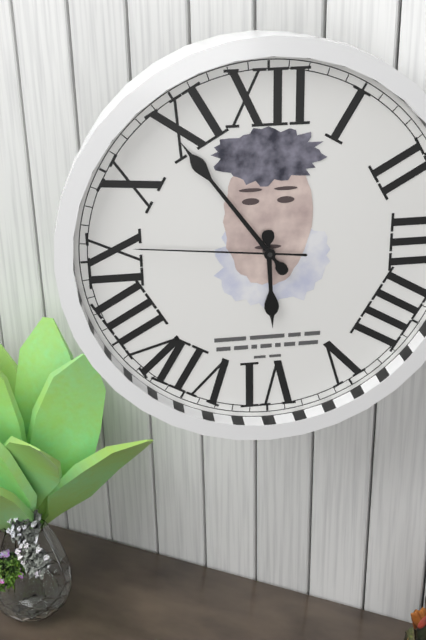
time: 5:54:46
